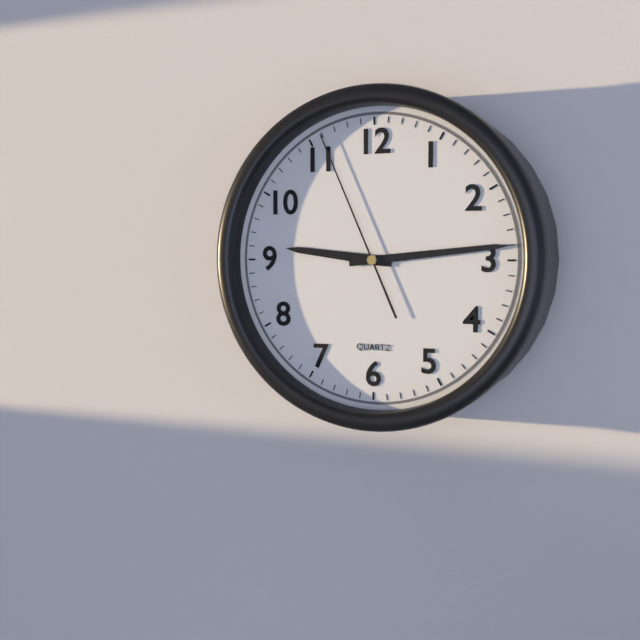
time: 9:14:56
